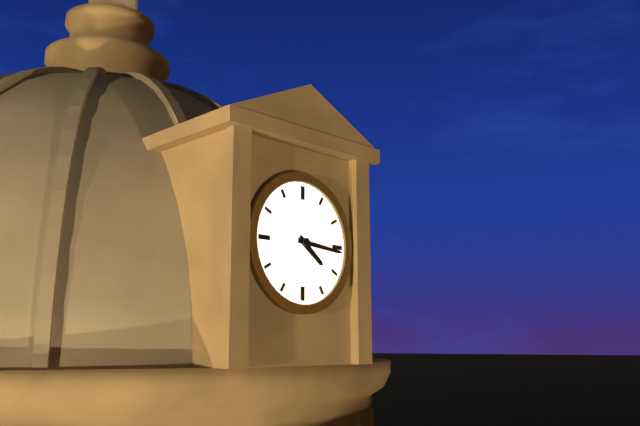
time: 4:16
